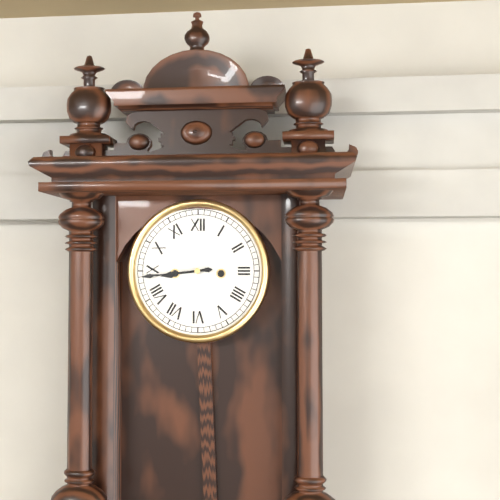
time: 8:44
